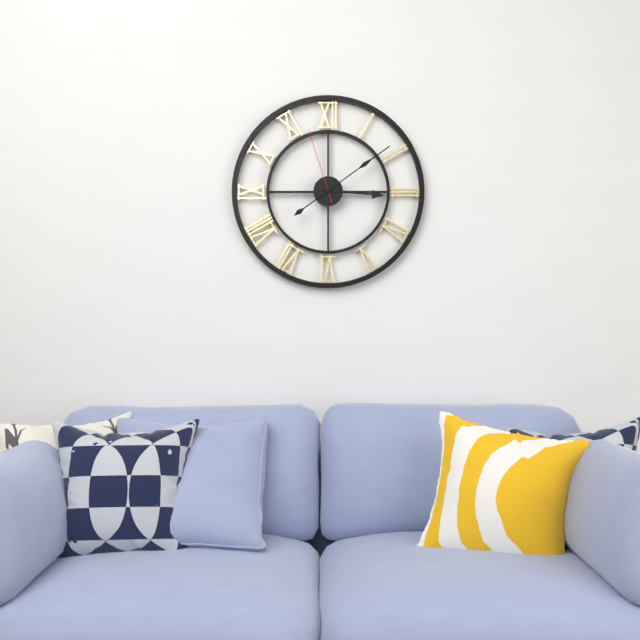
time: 3:09:57
